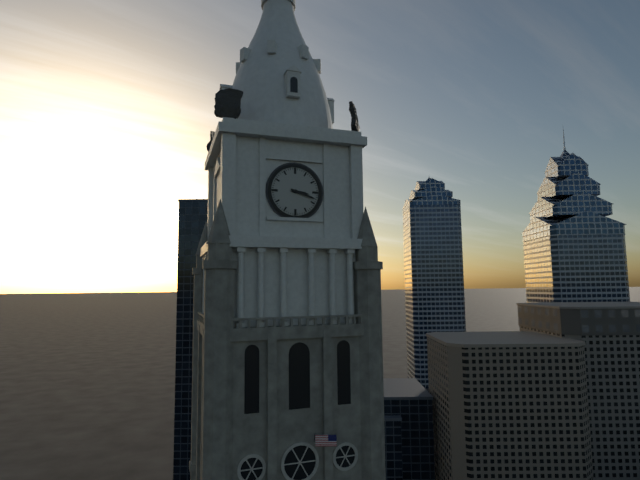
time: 3:18
